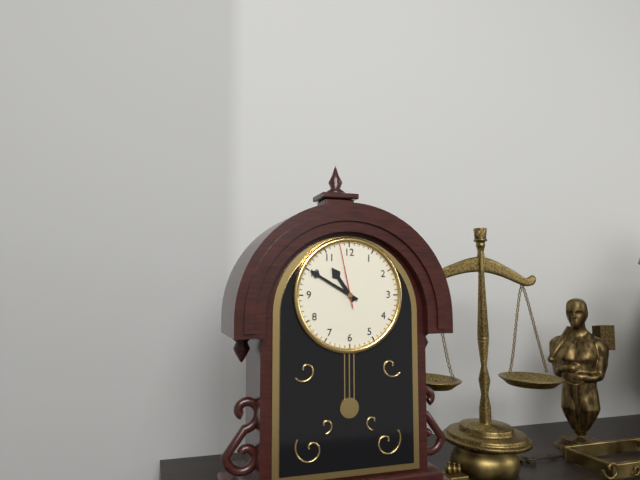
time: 10:50:58
